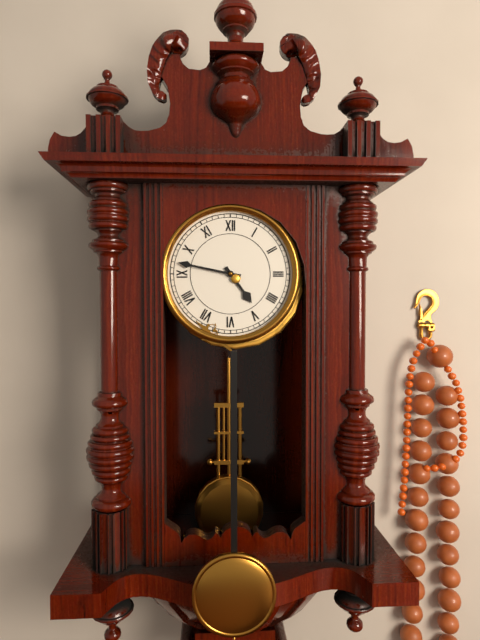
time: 4:47
